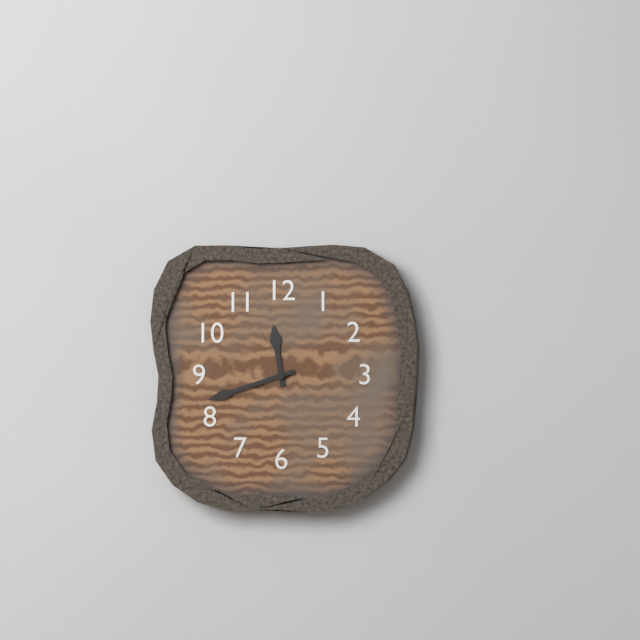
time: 11:42
